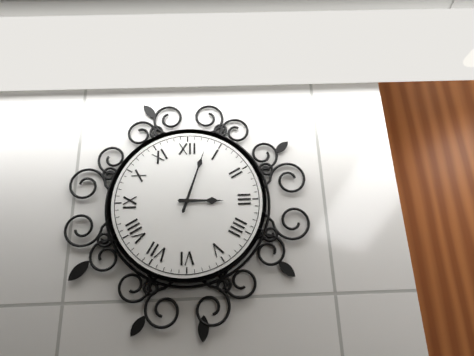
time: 3:03
